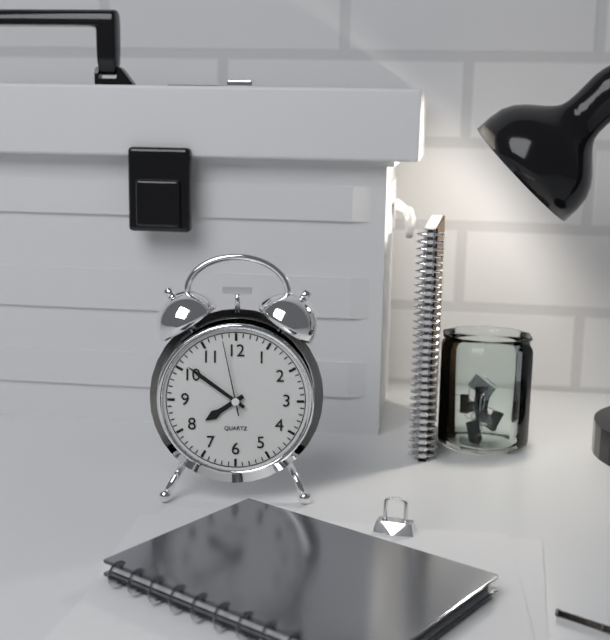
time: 7:51:58
